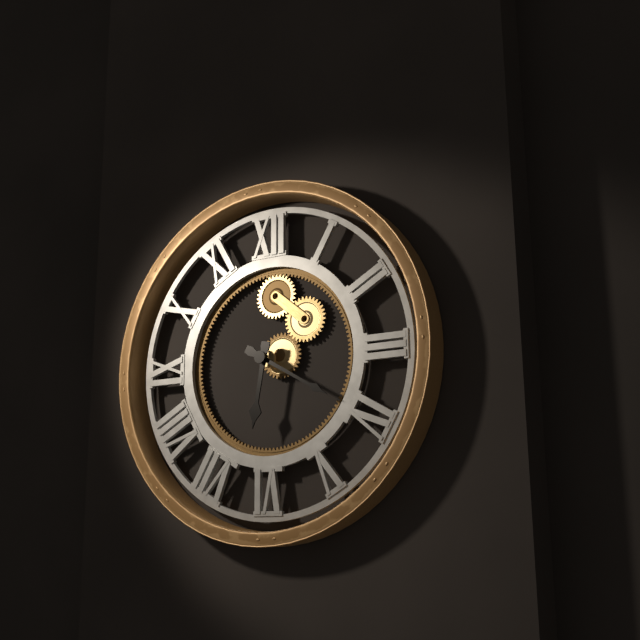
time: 6:20
